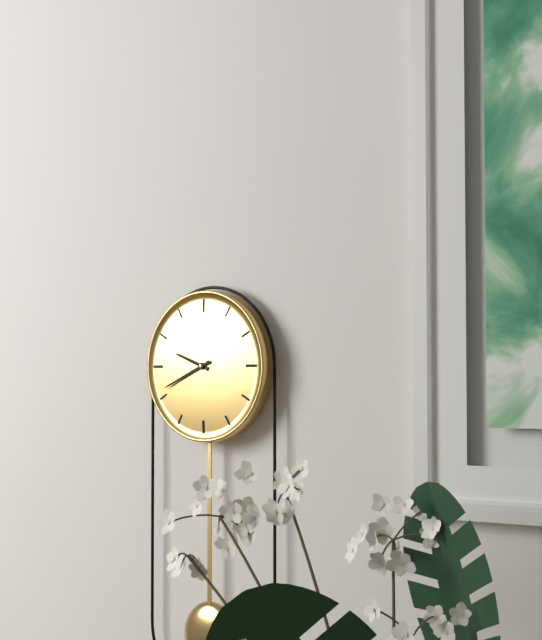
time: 9:41
